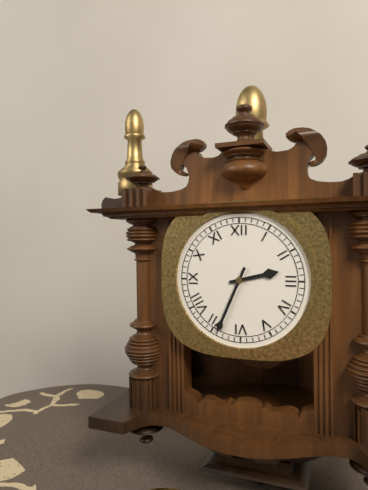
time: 2:34
